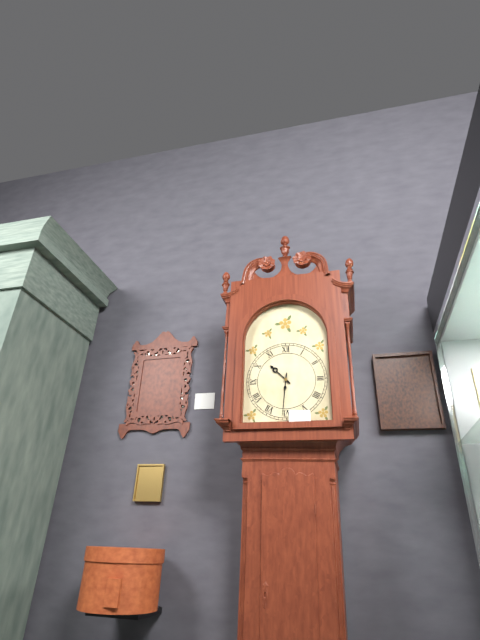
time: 10:31
